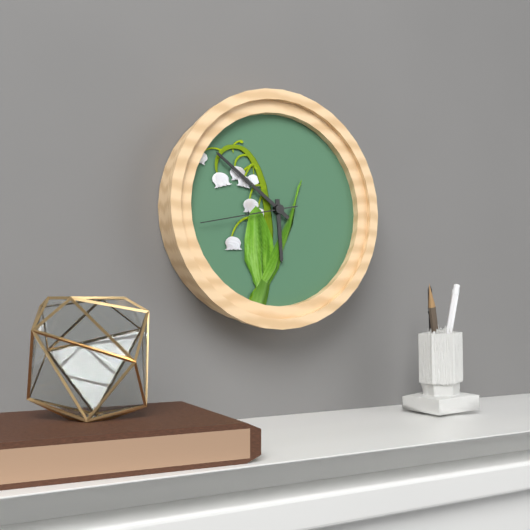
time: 5:51:43
